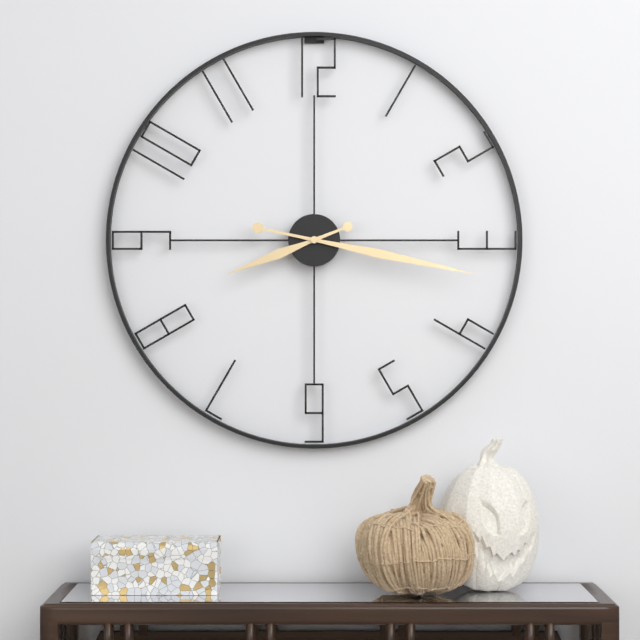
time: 8:17
